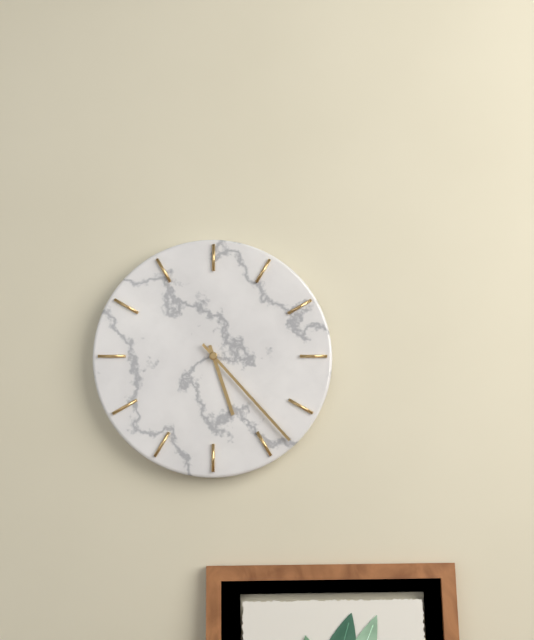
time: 5:23
